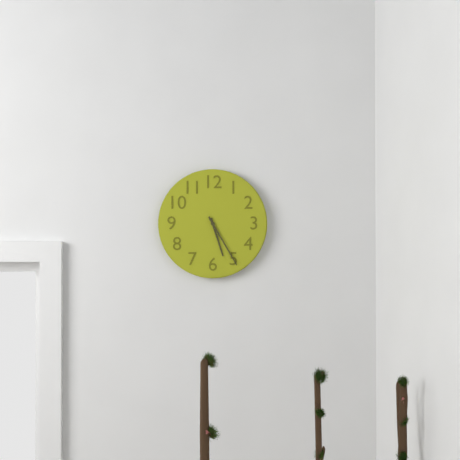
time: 5:25
